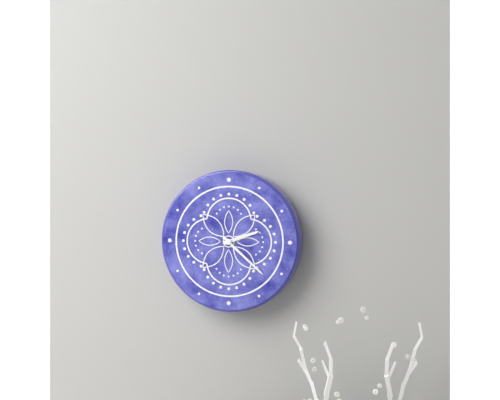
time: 2:22
